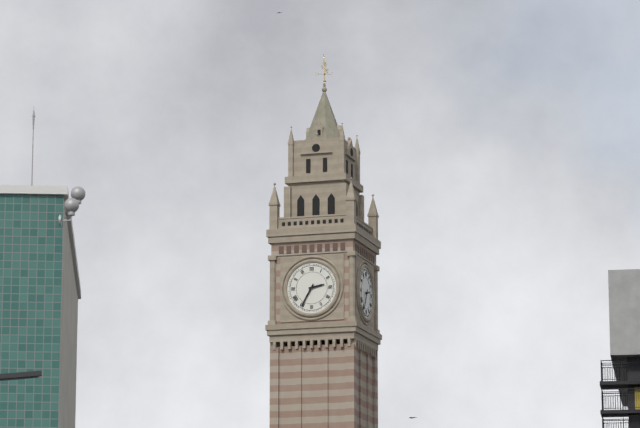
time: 2:35
